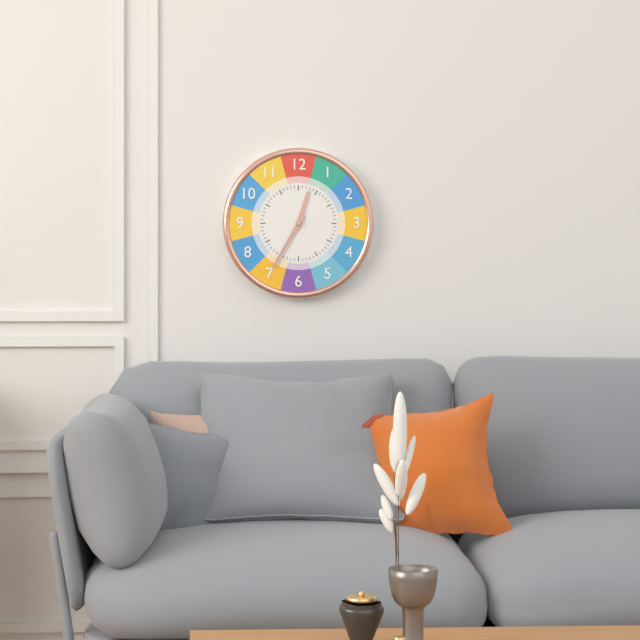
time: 12:35
